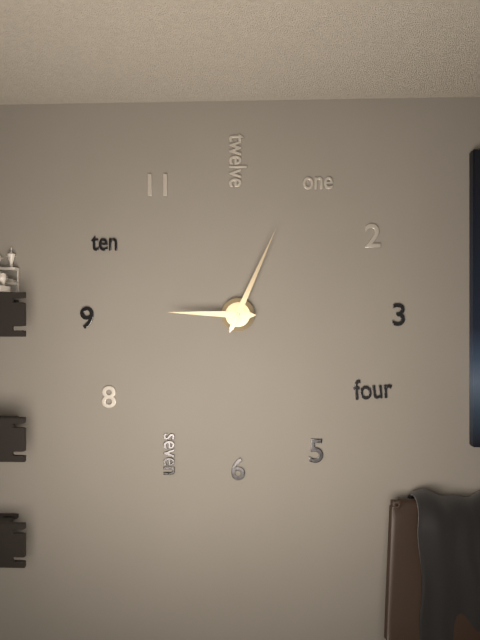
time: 9:04
